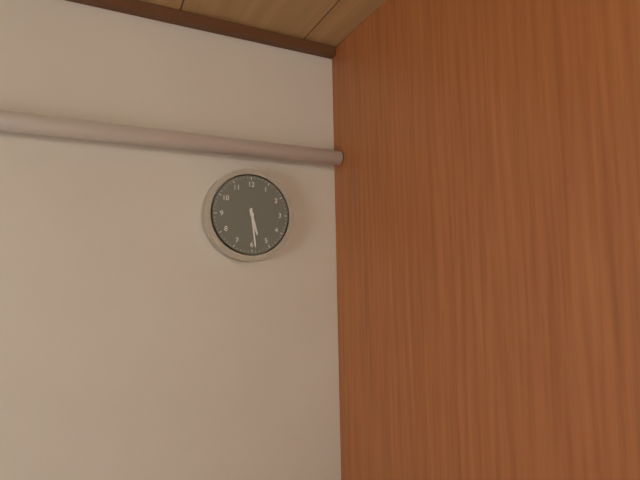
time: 5:29
